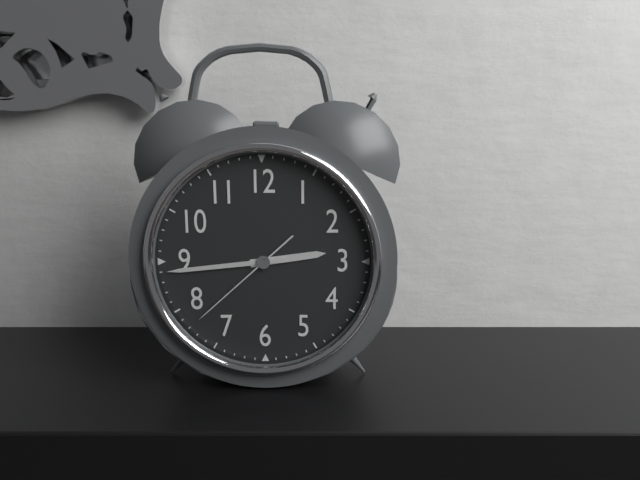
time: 2:44:38
